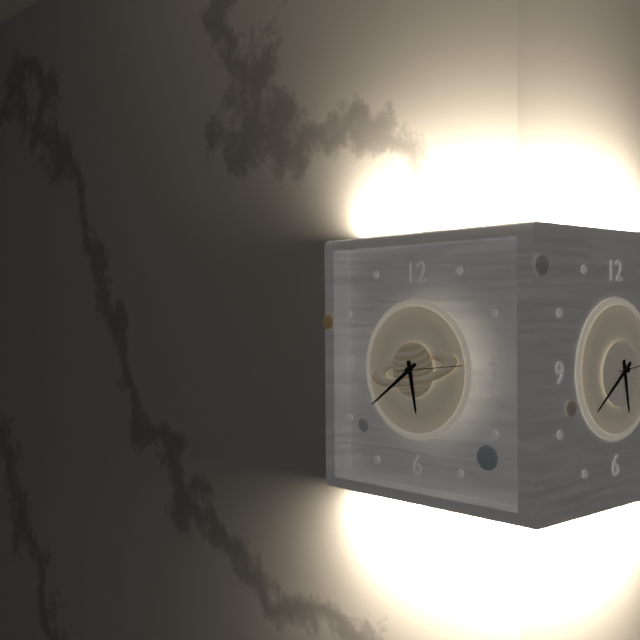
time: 5:39:14
